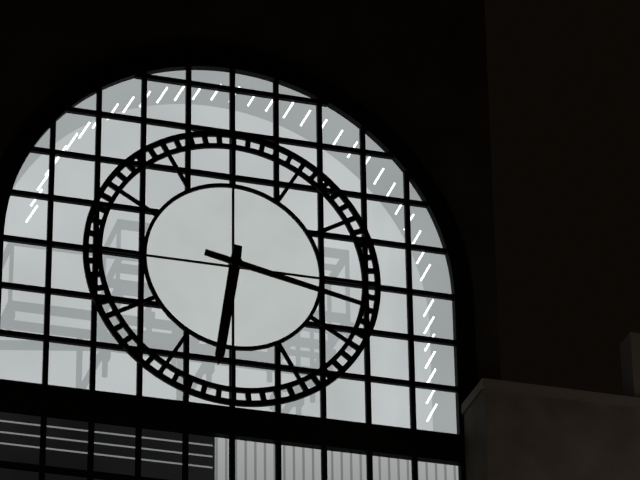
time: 6:17
